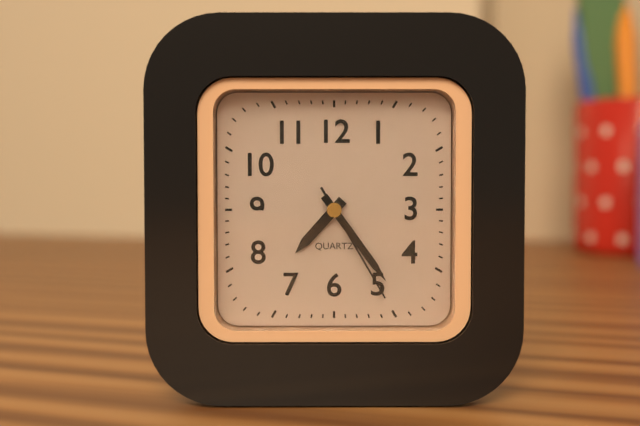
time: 7:24:25
